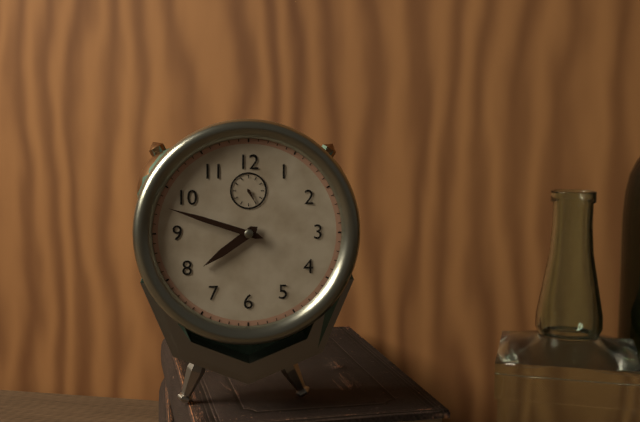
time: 7:48
